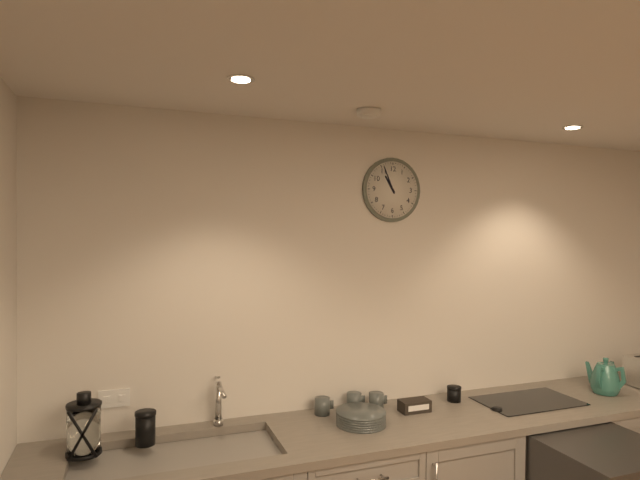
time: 10:56
